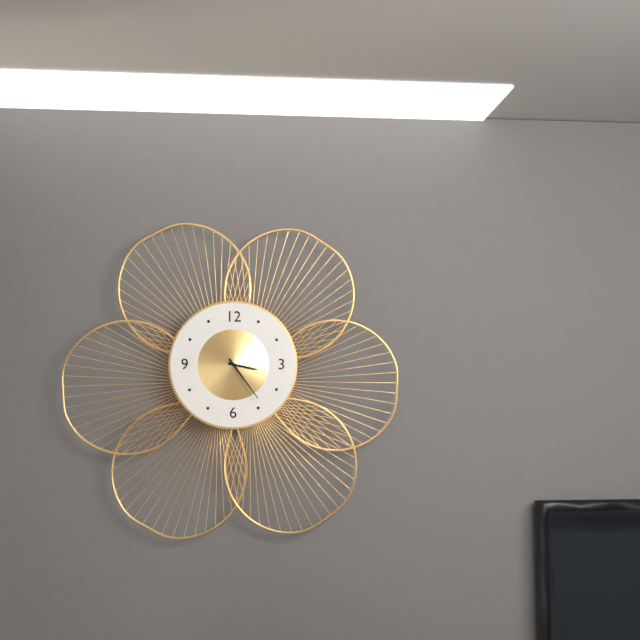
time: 3:24
